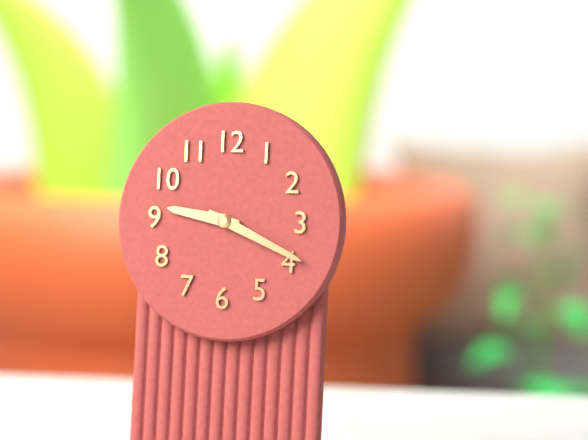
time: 9:19
